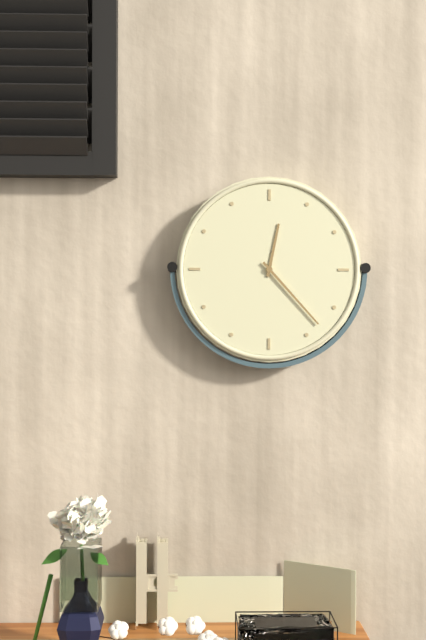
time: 12:23
